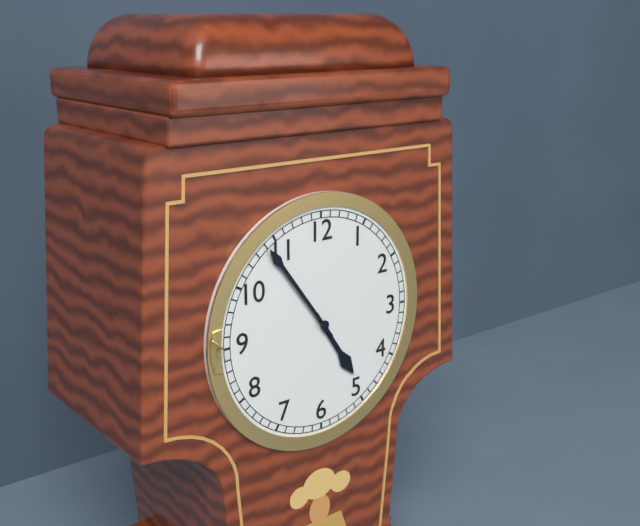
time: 4:54
